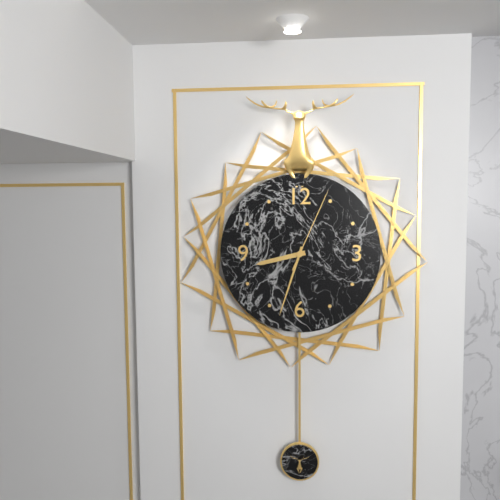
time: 8:33:04
